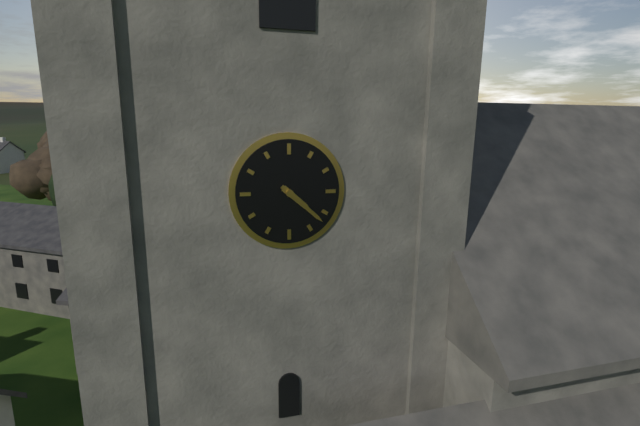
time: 4:22
